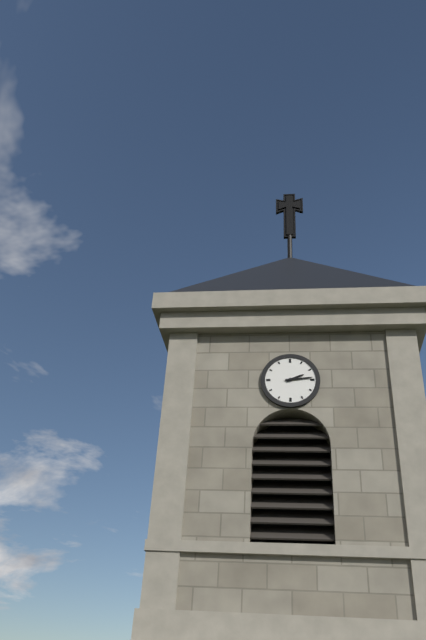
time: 2:14
